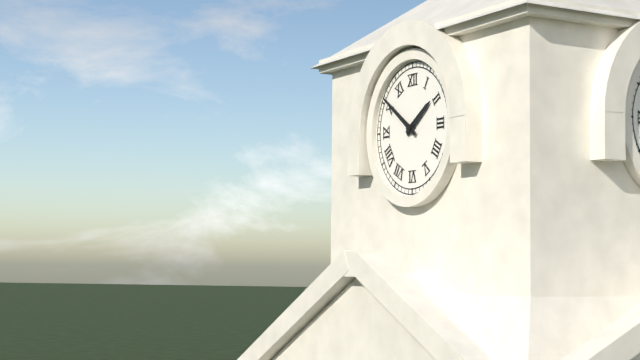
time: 1:51
